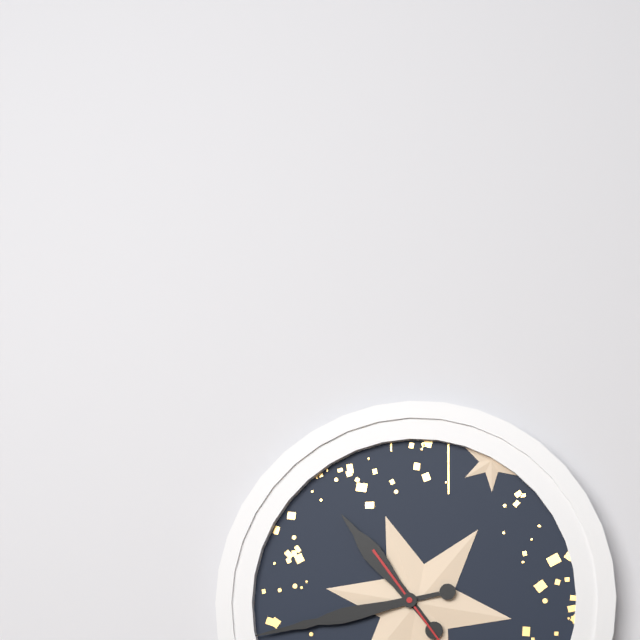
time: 10:43
